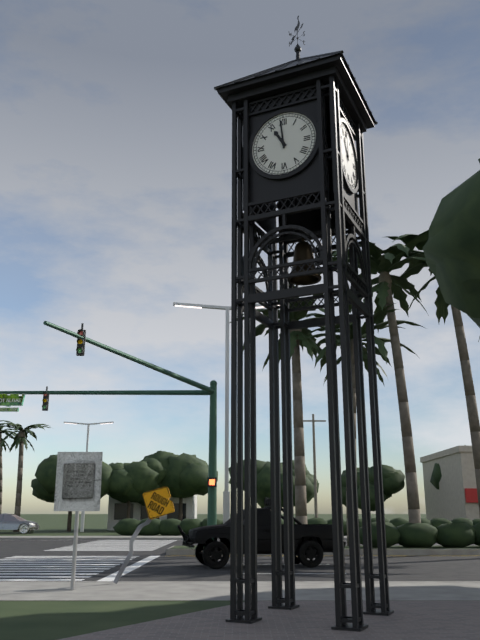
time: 10:59
